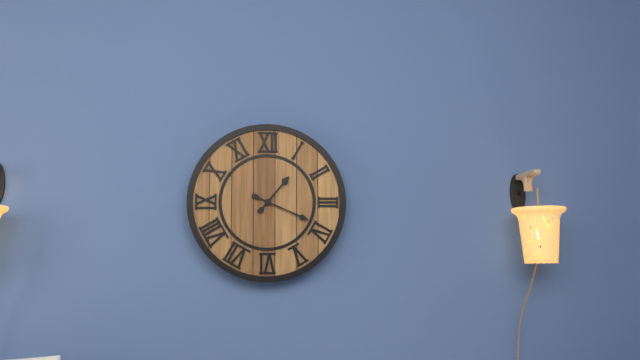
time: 1:19
